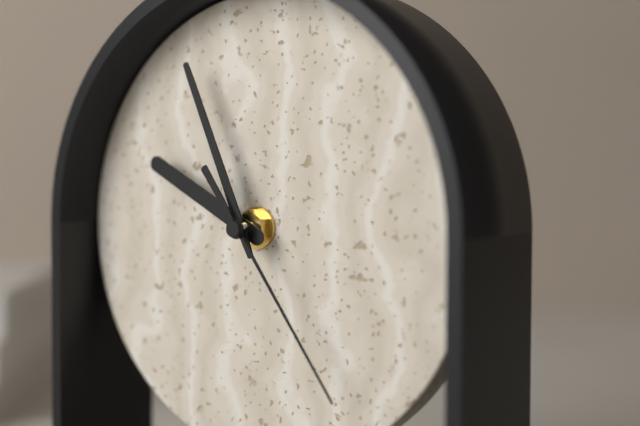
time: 9:56:24
